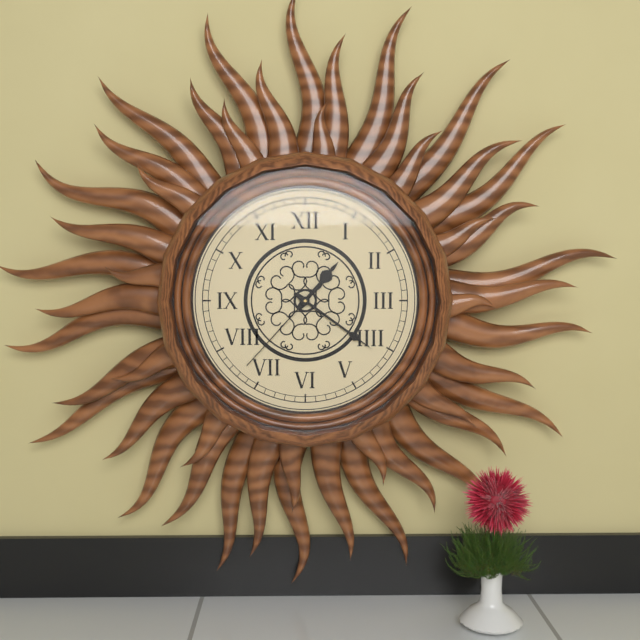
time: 1:21:37
